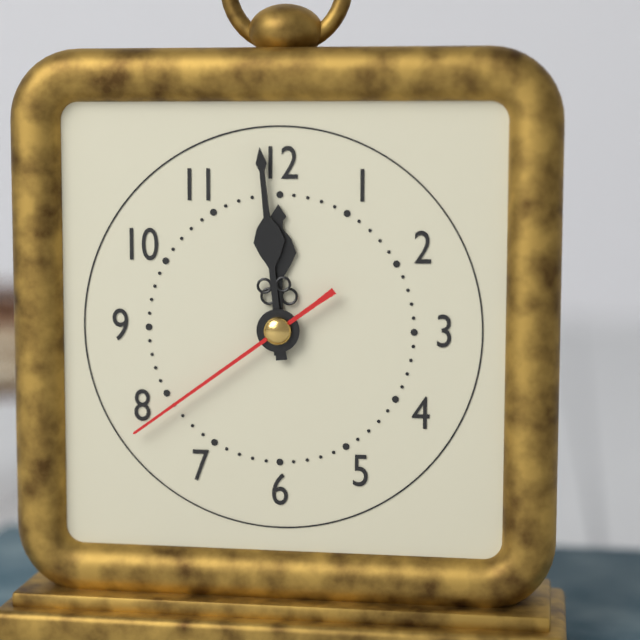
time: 11:59:39
